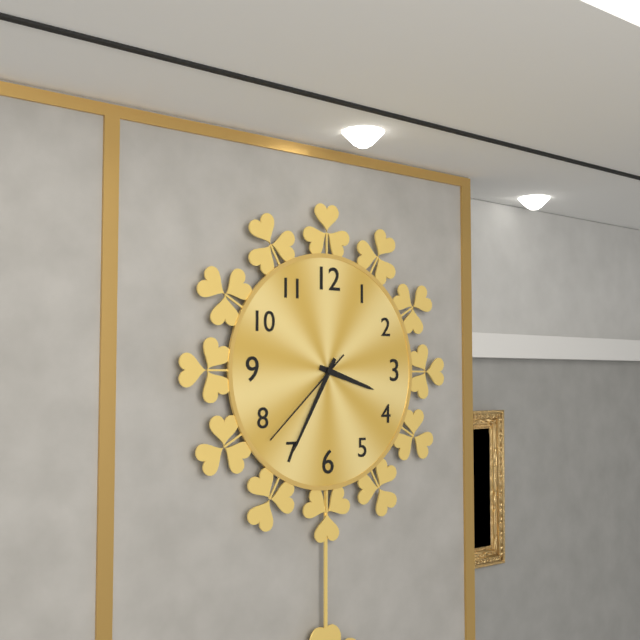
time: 3:35:38
